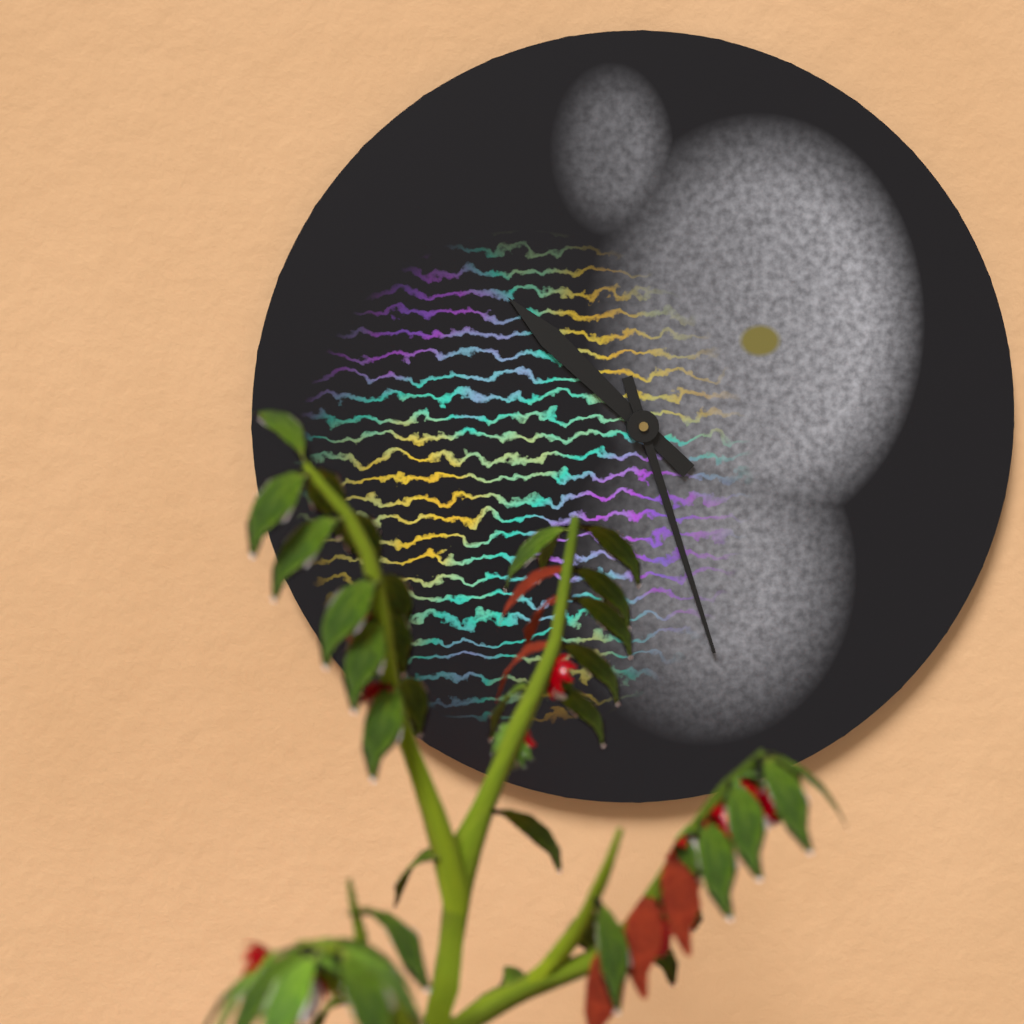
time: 10:27
